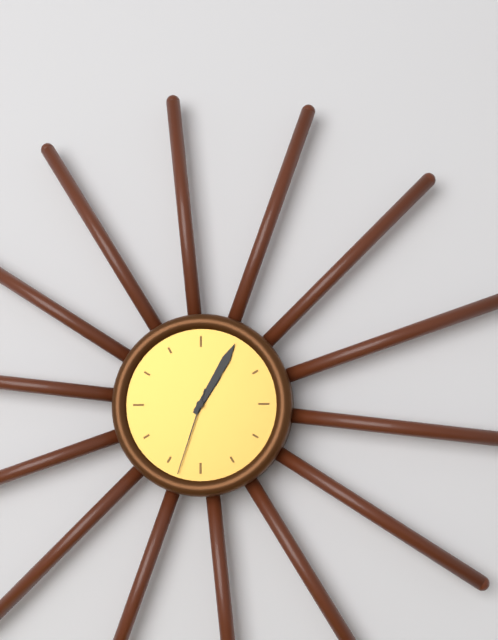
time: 1:05:33
